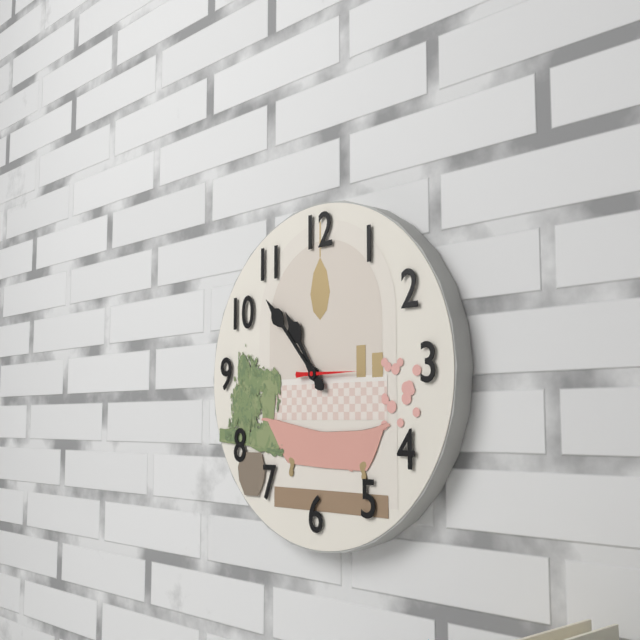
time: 10:53:15
